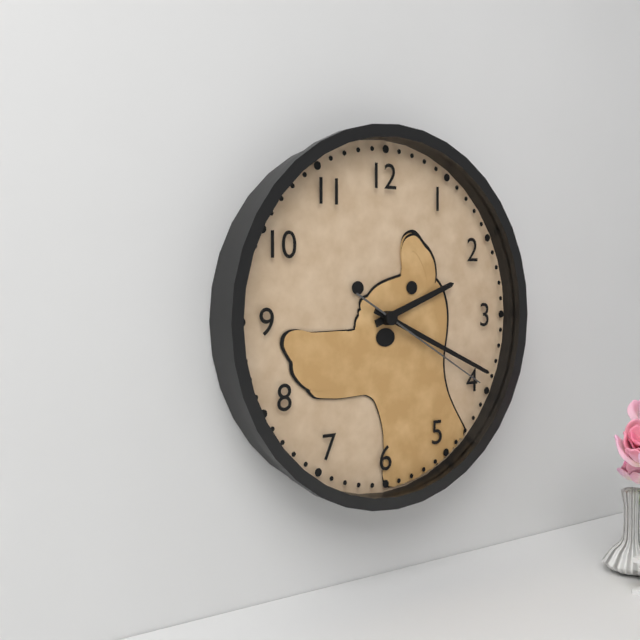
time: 2:19:20
